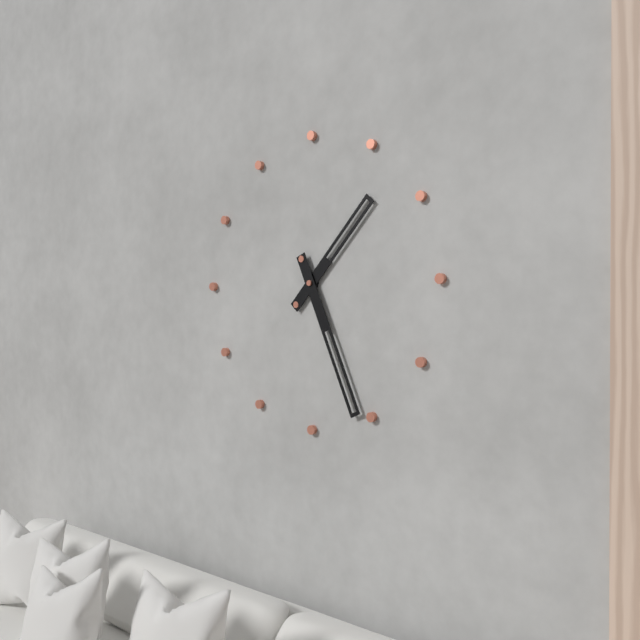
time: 1:26
